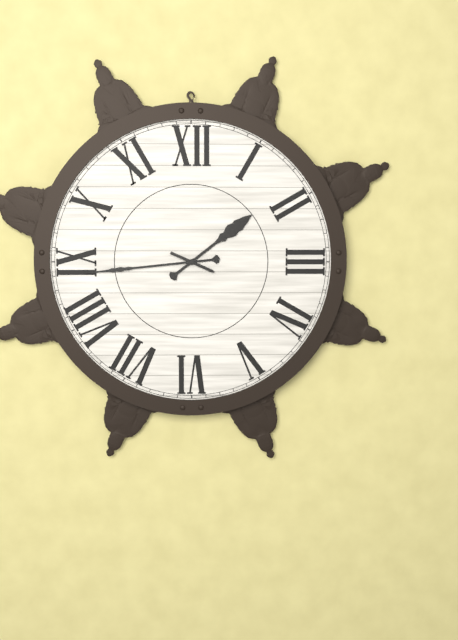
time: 1:44
